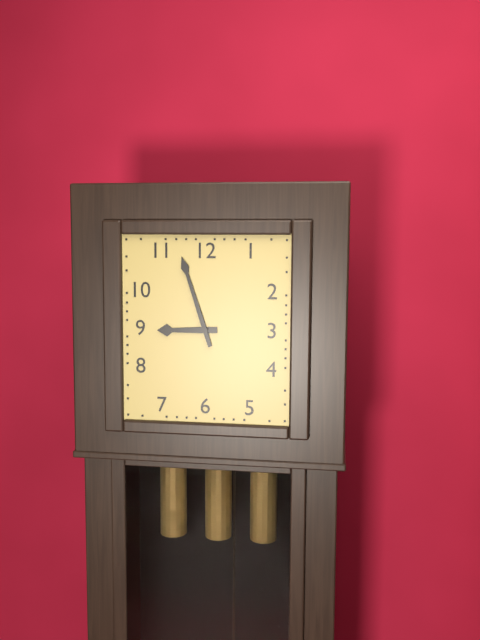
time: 8:57
